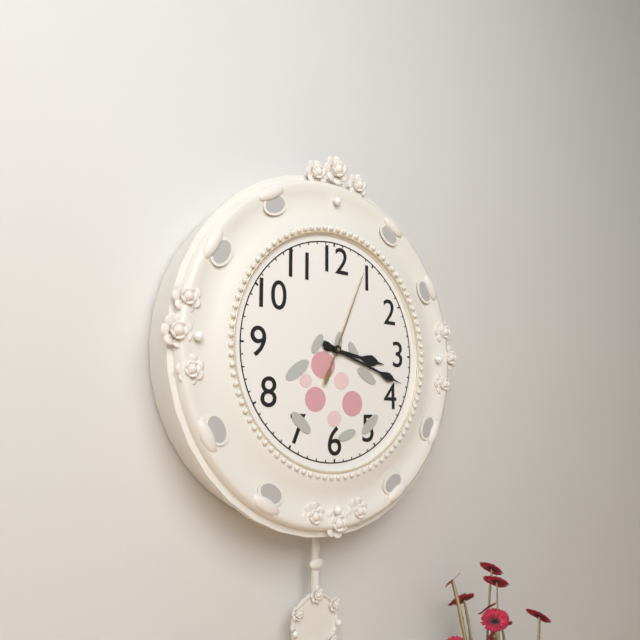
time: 3:18:04
